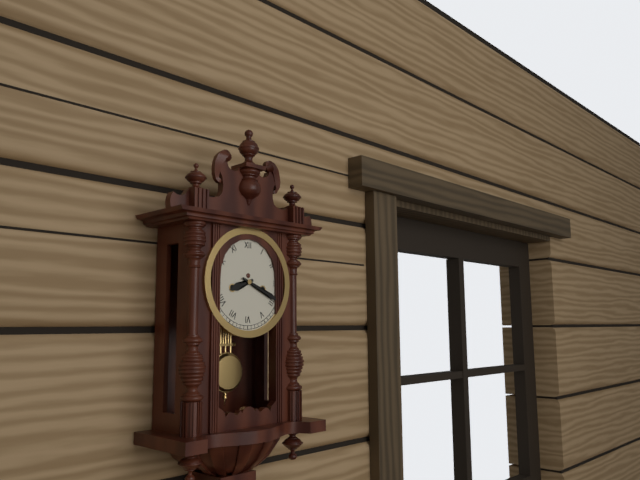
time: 8:19
